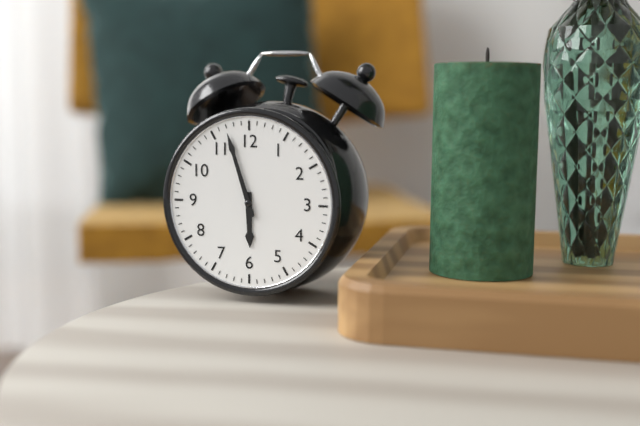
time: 5:57
